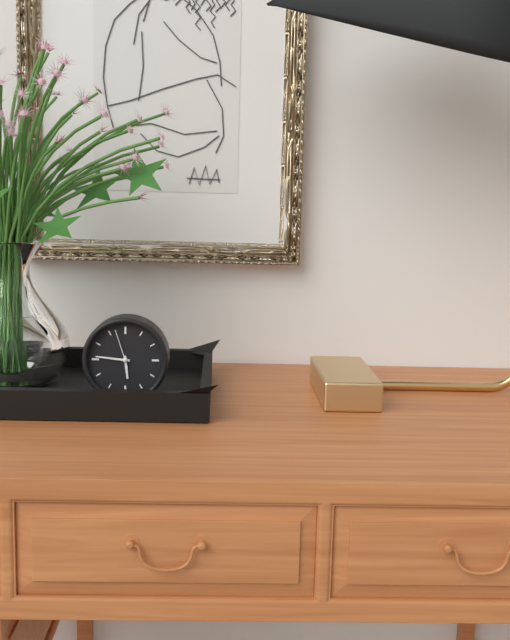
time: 5:46
